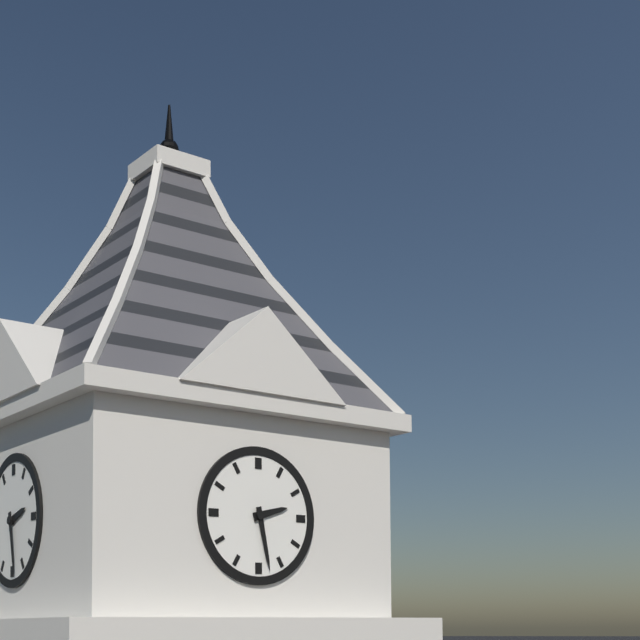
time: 2:28
